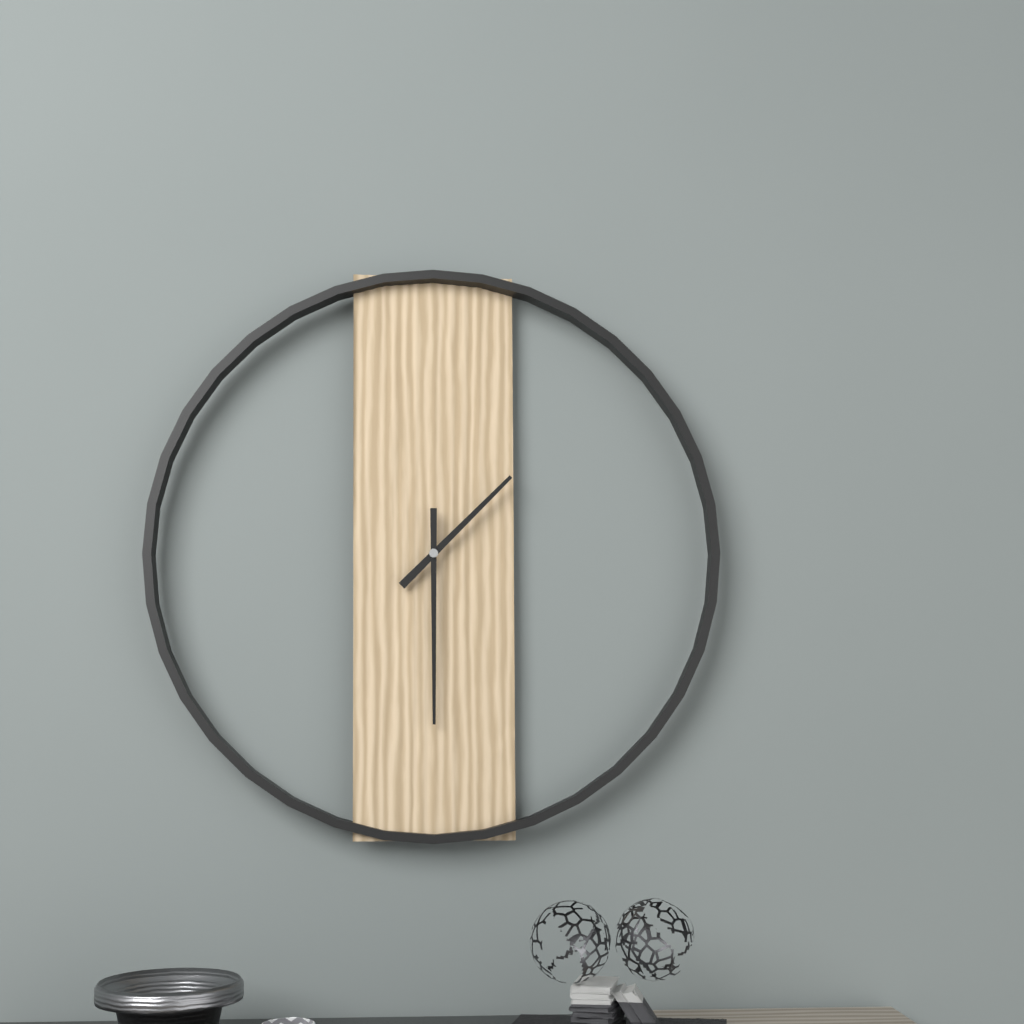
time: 1:30
